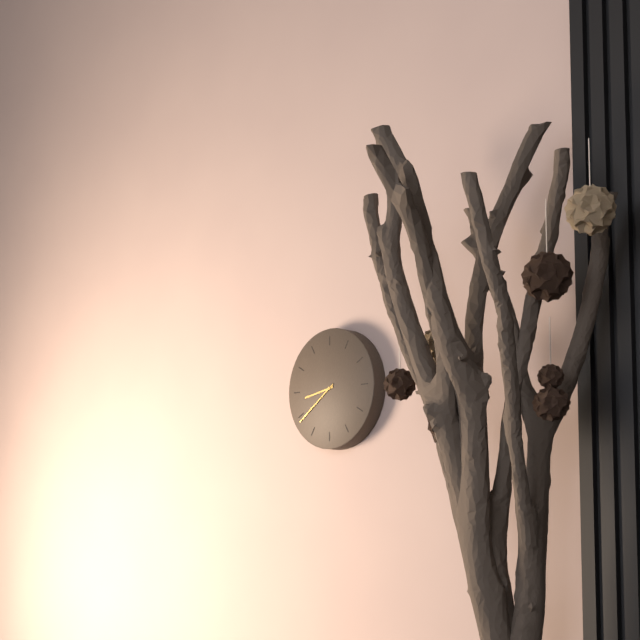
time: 8:39
